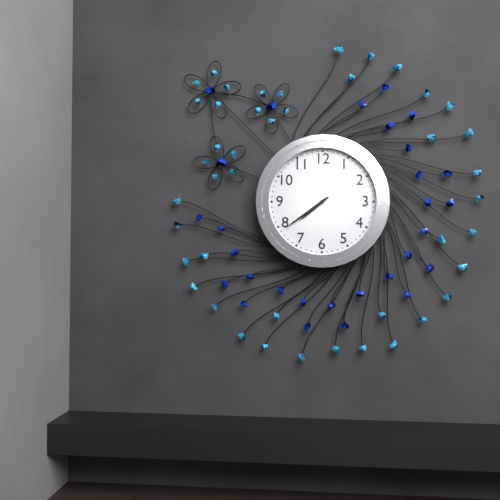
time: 7:39
